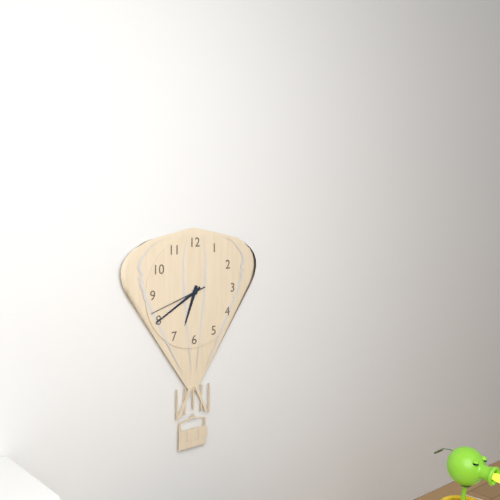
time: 6:40:42
